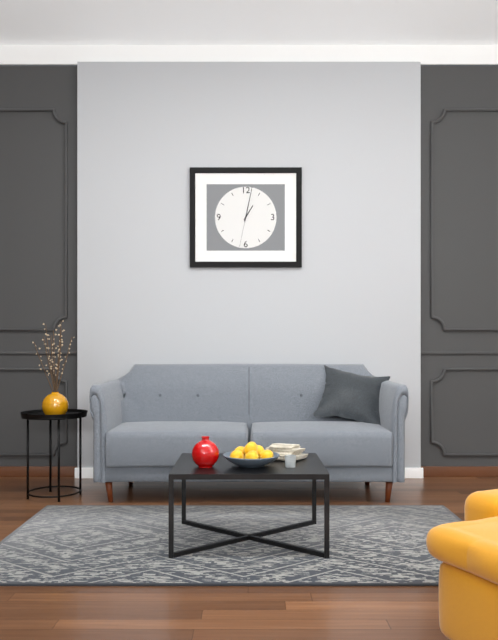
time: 1:02
